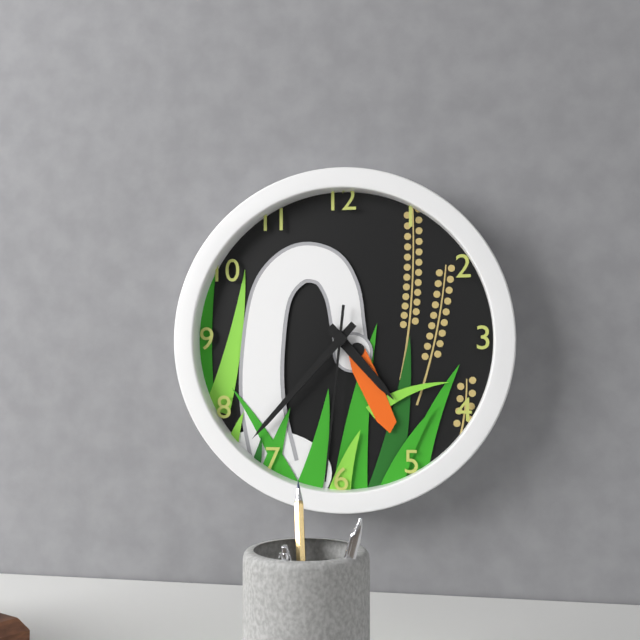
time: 4:37:31
